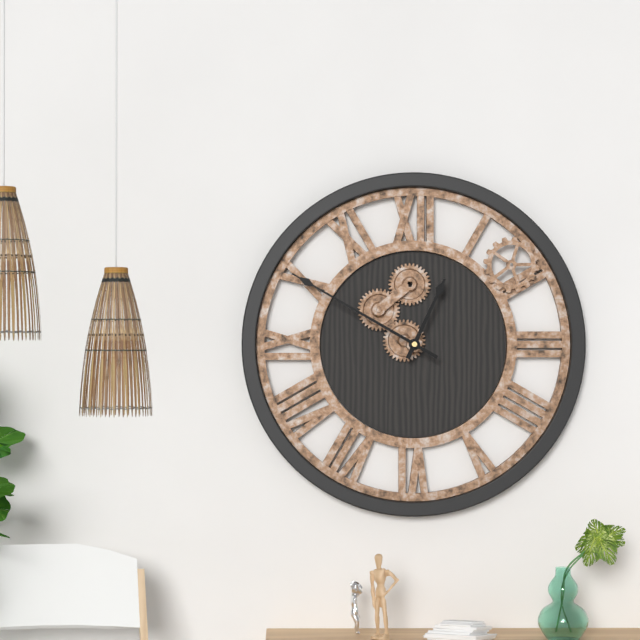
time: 12:50
